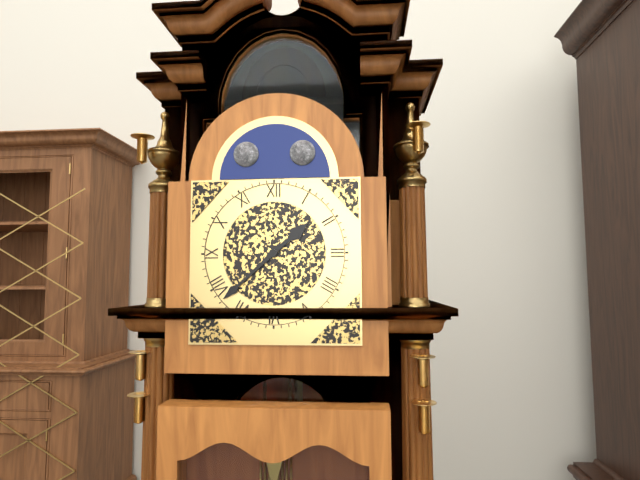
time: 1:38
